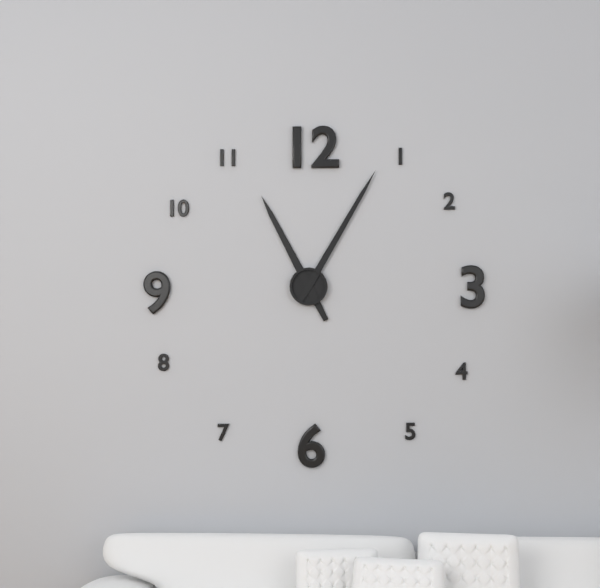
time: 11:05
